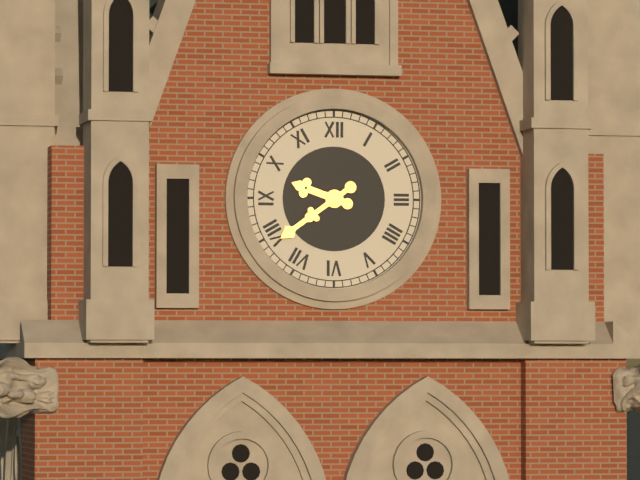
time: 9:39
